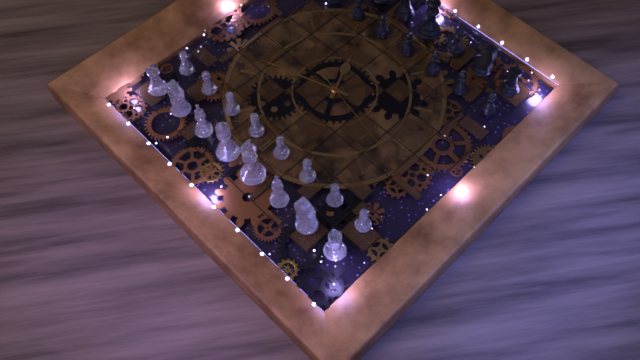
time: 5:12:47
